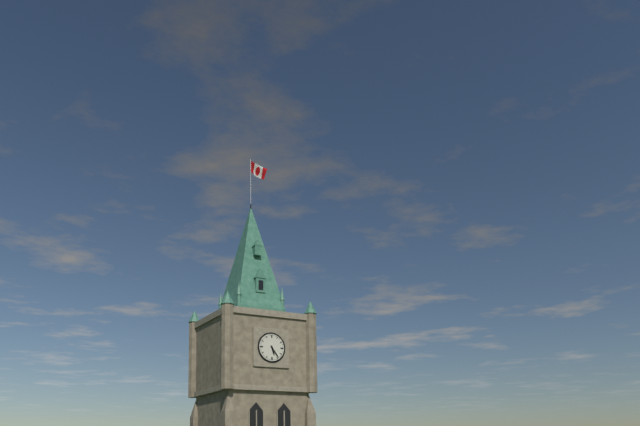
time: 5:24
